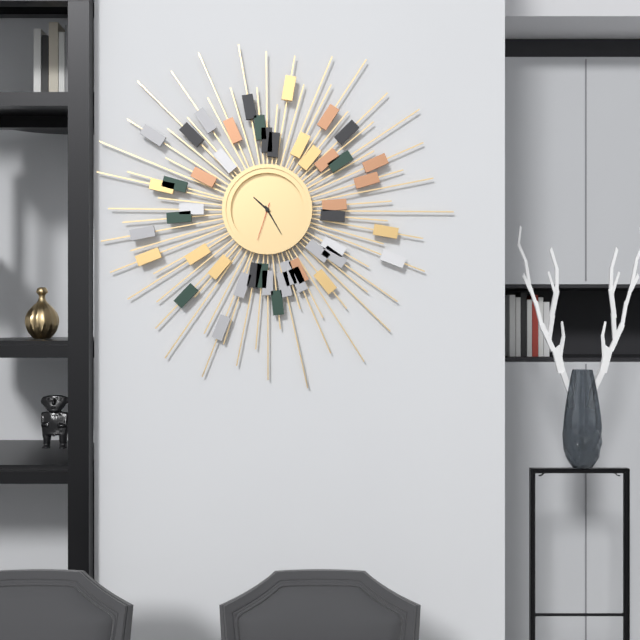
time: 10:25
